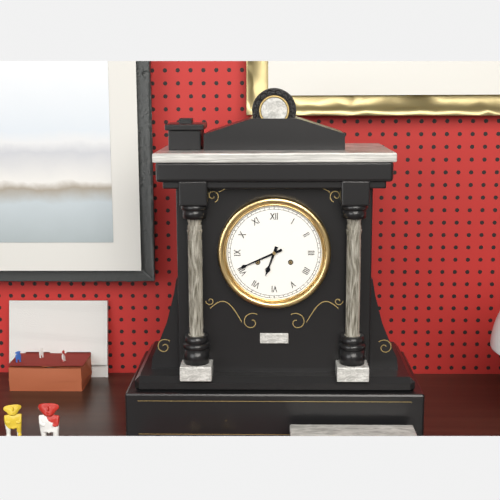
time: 6:41
